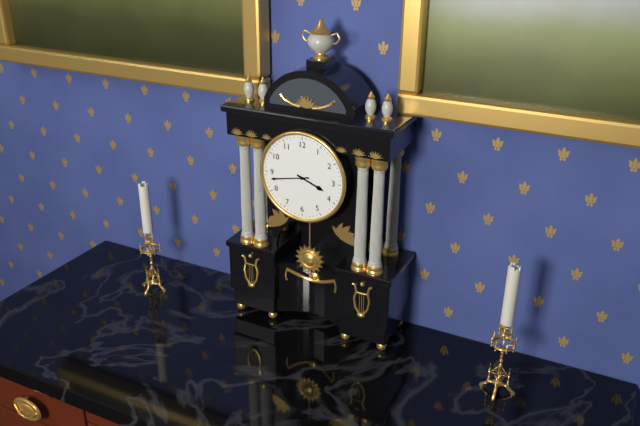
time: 3:43
